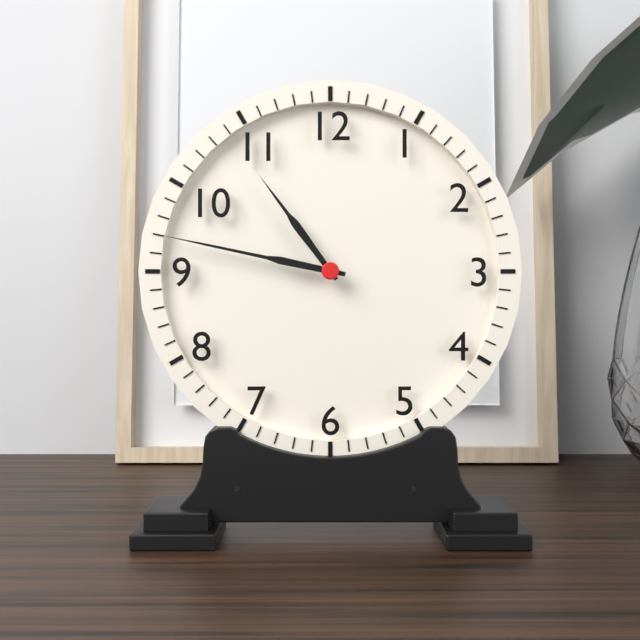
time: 10:47
